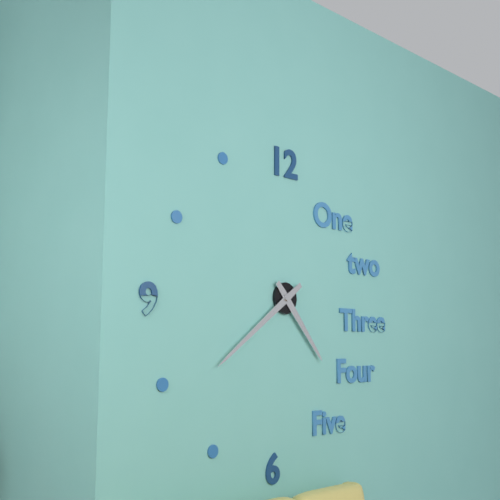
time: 4:39
